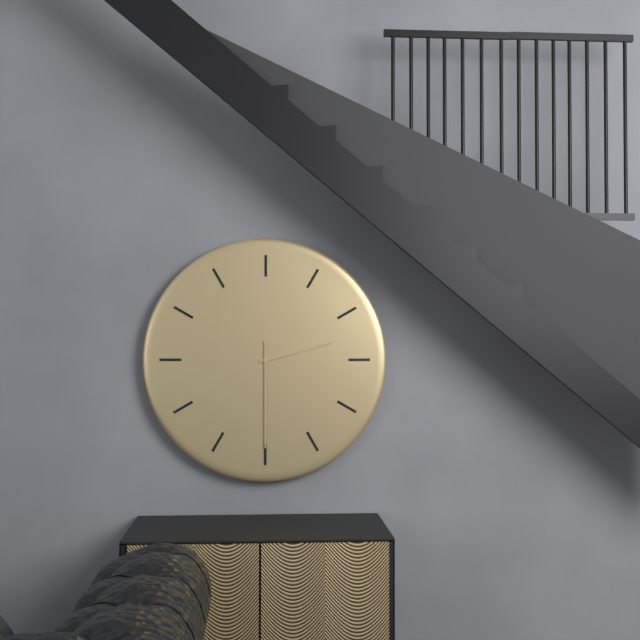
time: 2:30
